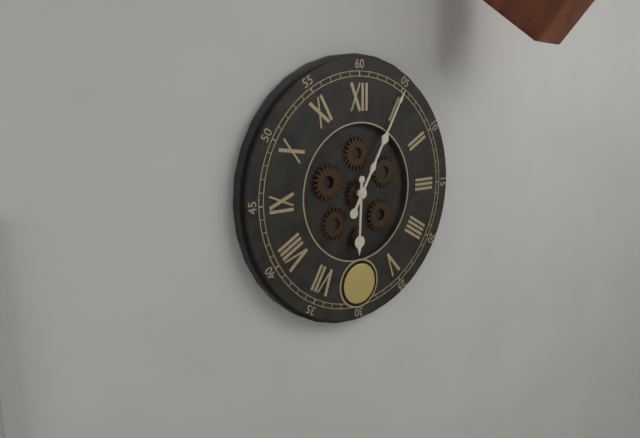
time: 6:05
